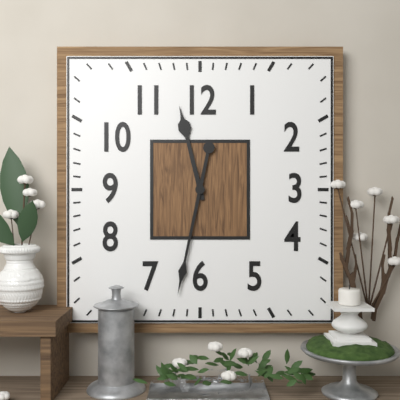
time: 11:32
